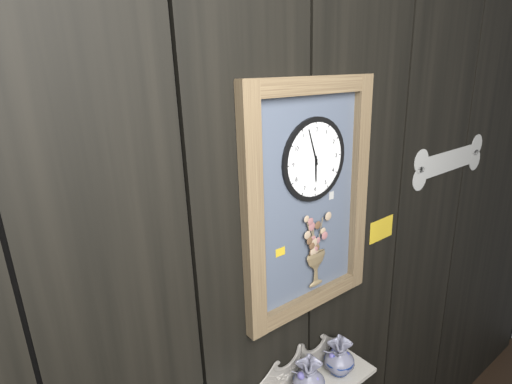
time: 5:57
